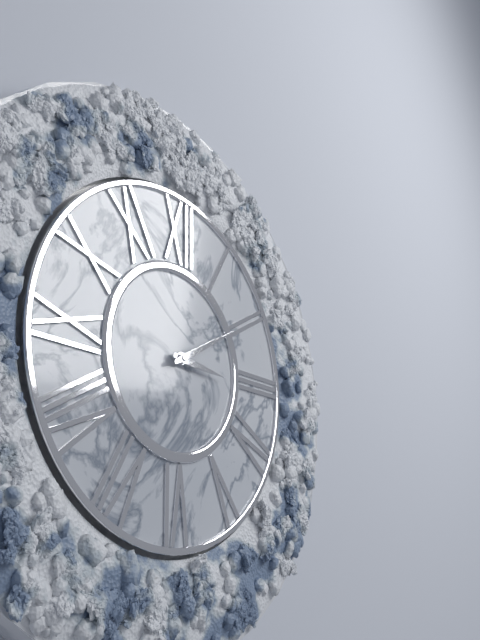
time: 3:10
